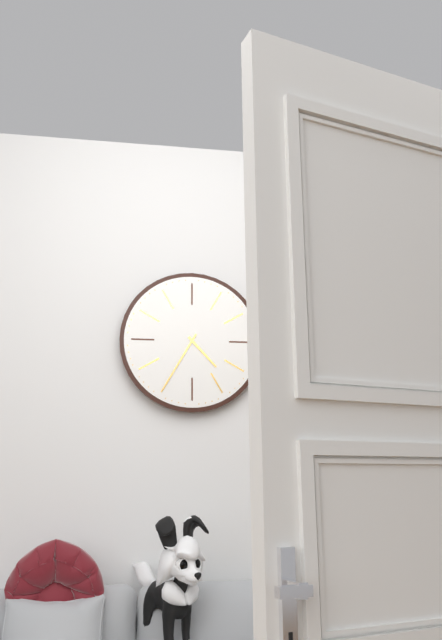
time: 4:35
